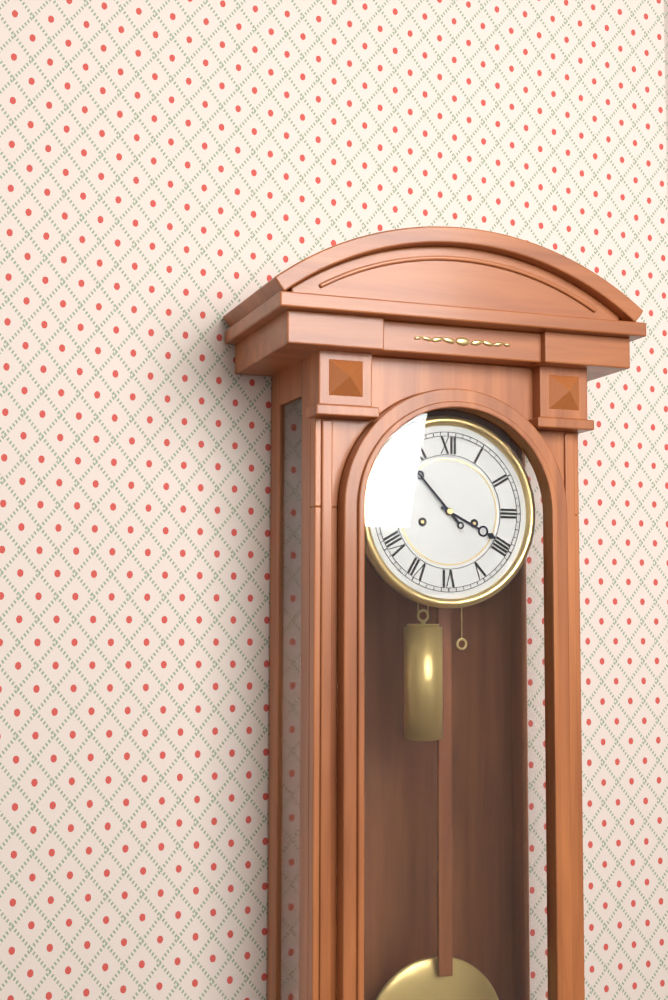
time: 3:53
